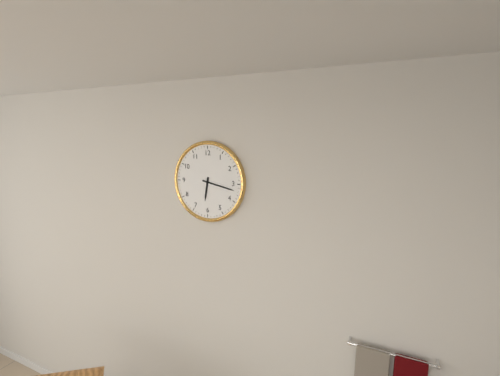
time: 6:17
